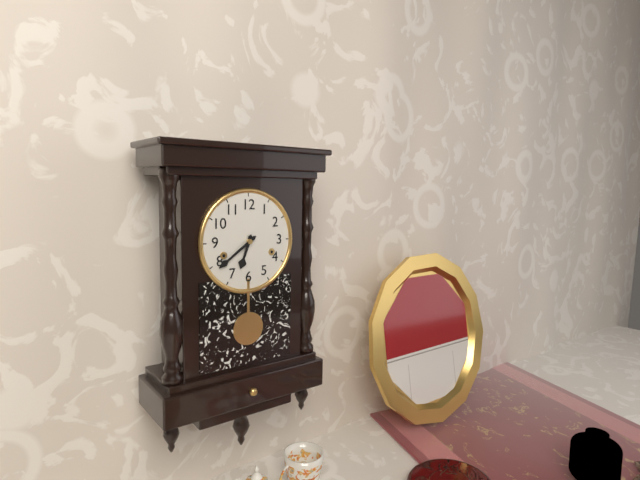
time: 6:39
